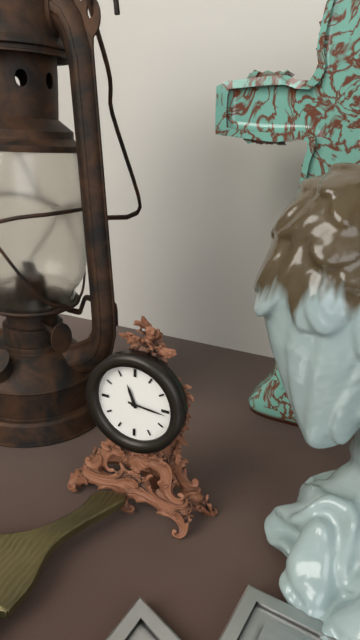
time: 11:16
